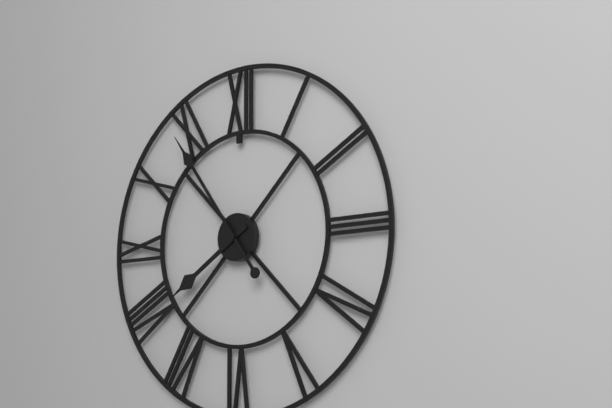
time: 7:54
